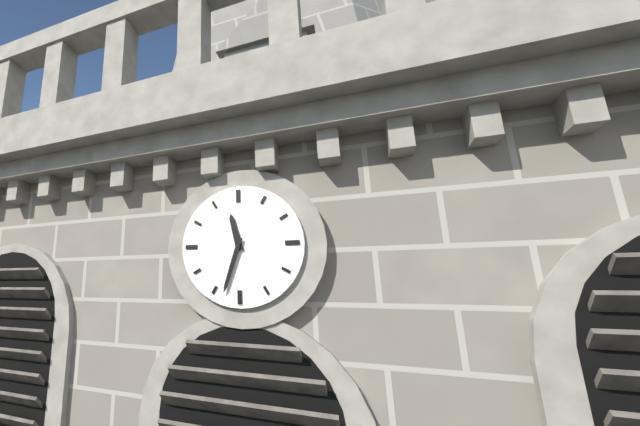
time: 11:33
